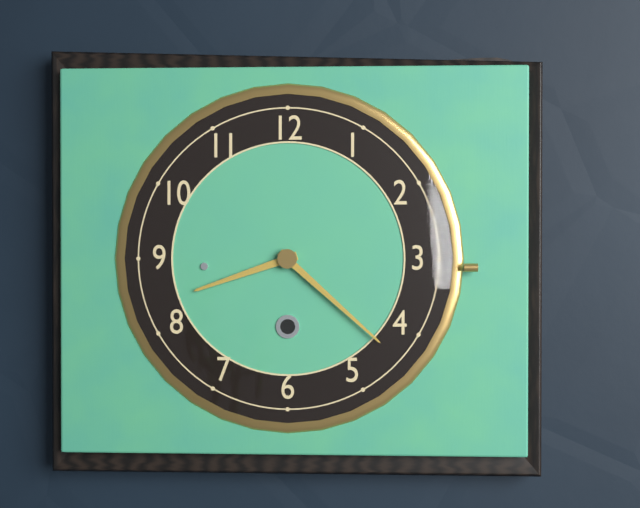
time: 8:22
